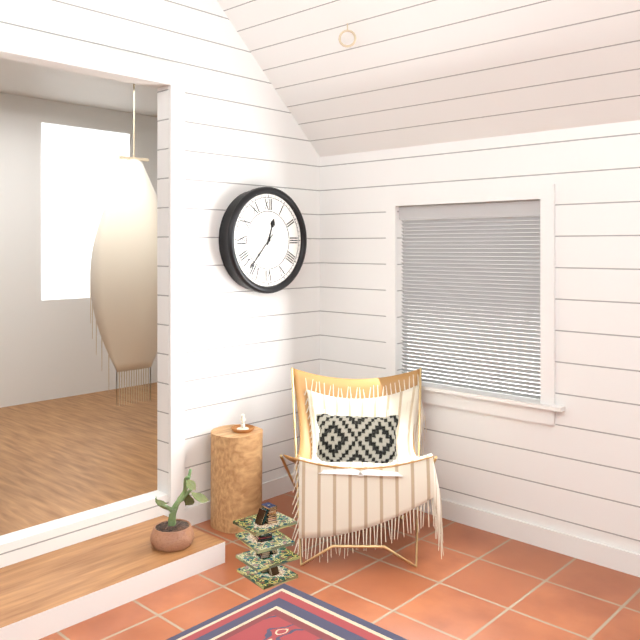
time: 12:37
